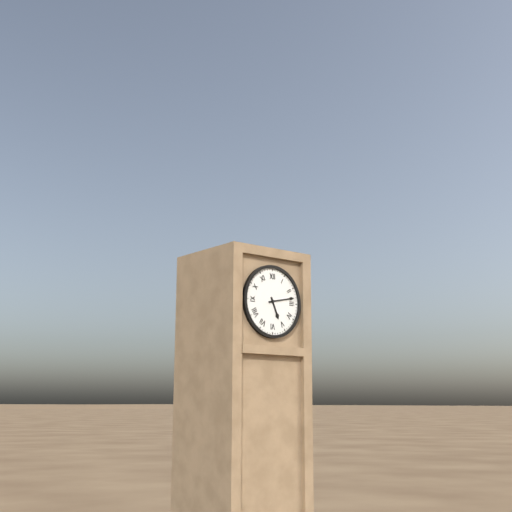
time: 5:13
